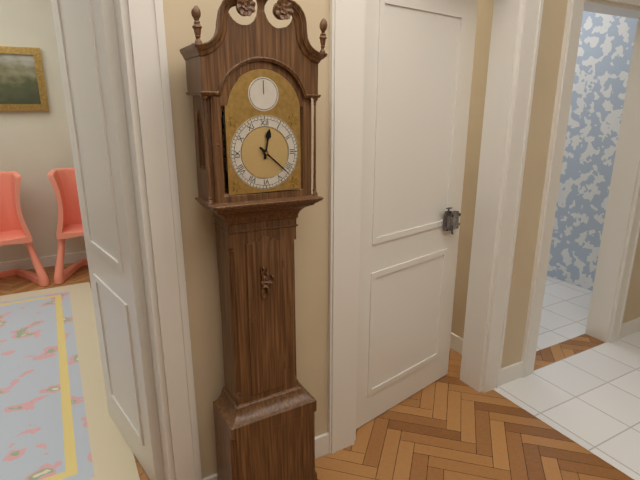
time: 12:22
